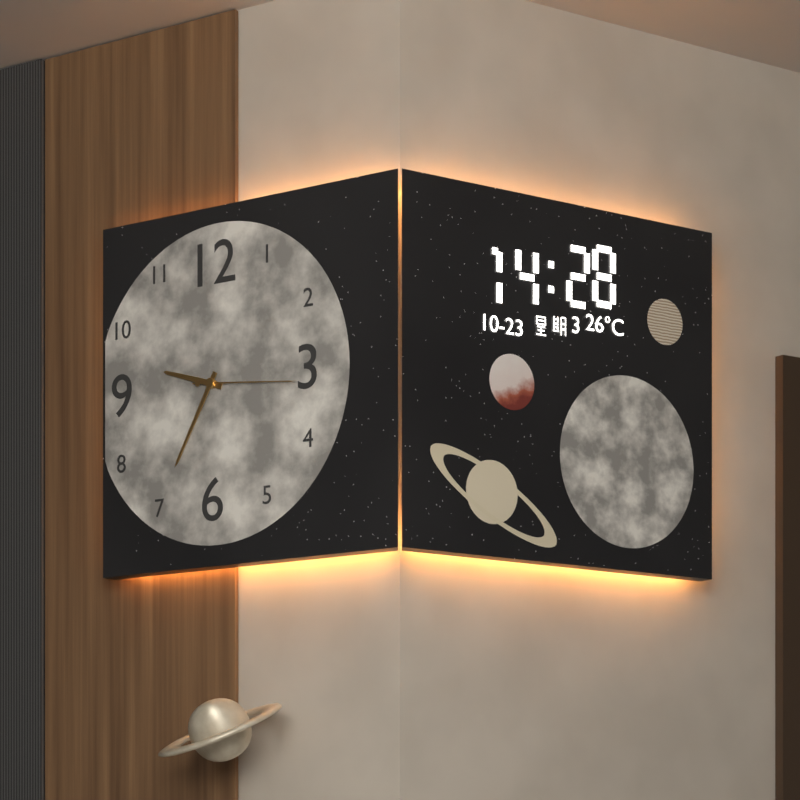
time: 9:35:16
